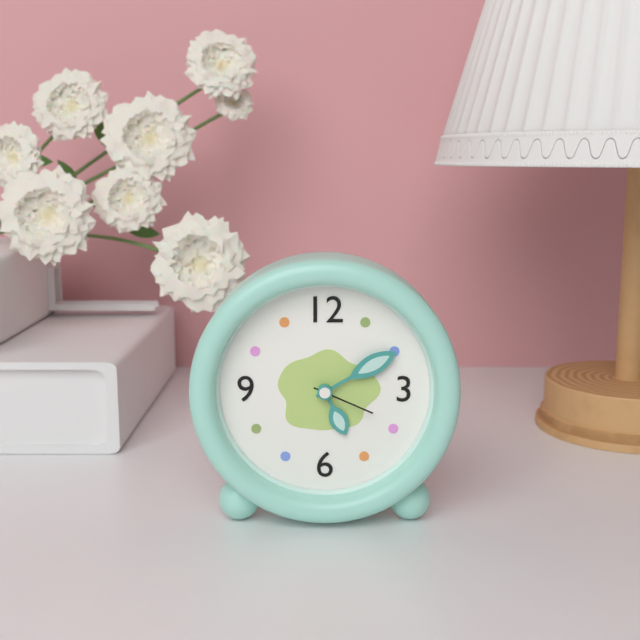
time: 5:10:19
